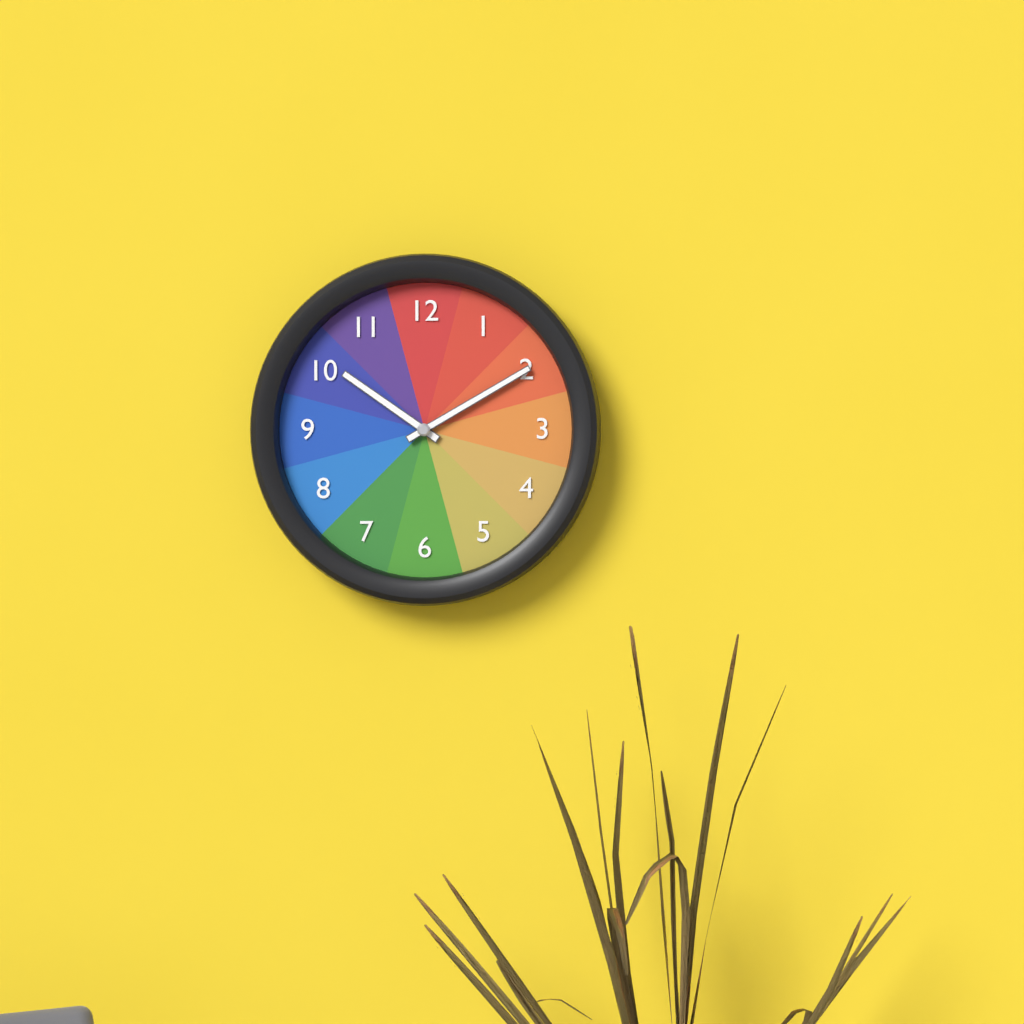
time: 10:10
